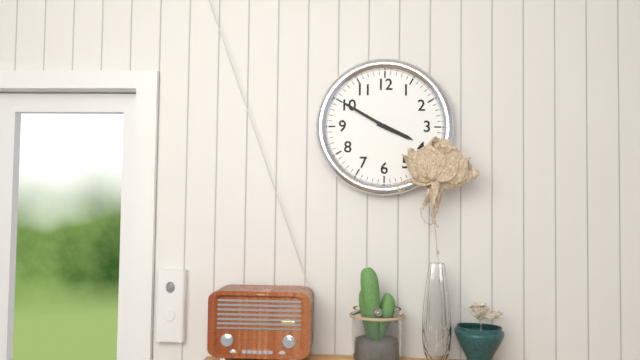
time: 3:50
